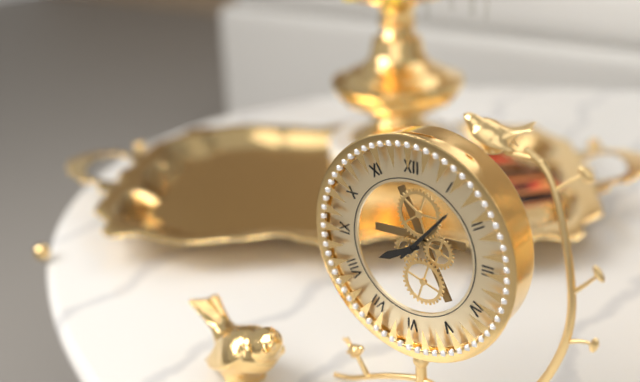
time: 8:07
